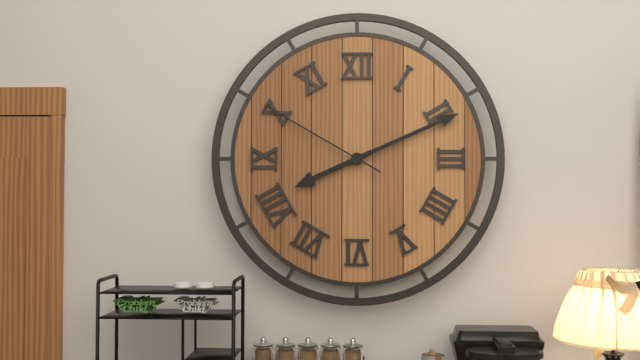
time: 8:11:50
